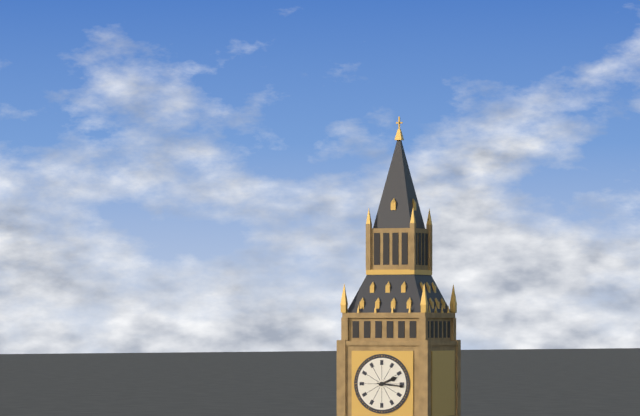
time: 2:16
